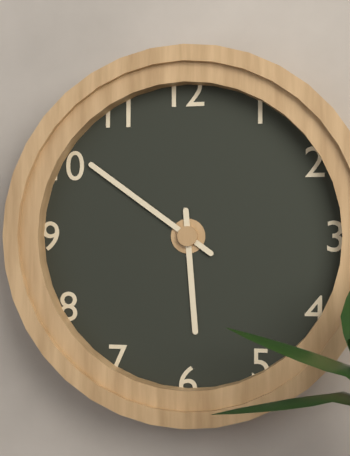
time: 5:51
